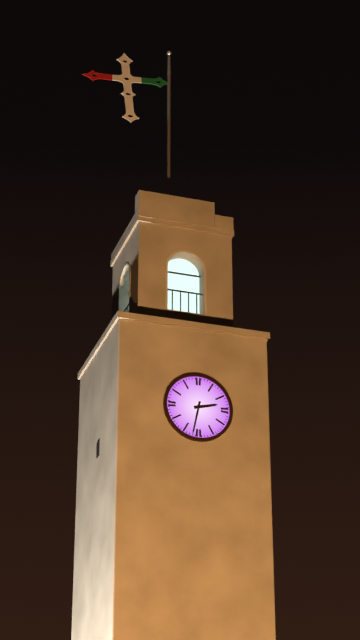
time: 2:32
